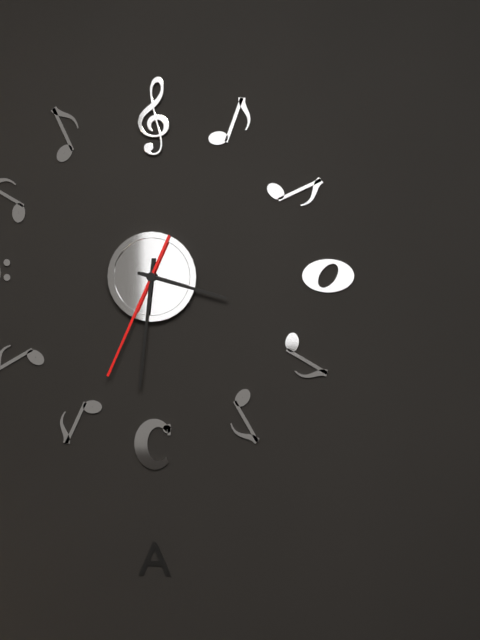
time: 3:31:34
